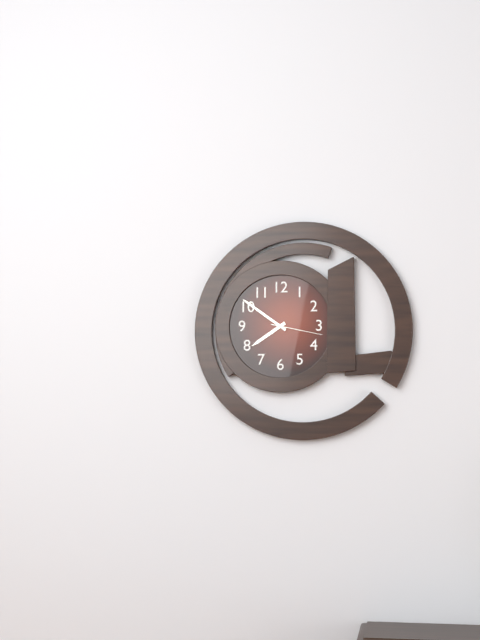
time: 7:51:17
